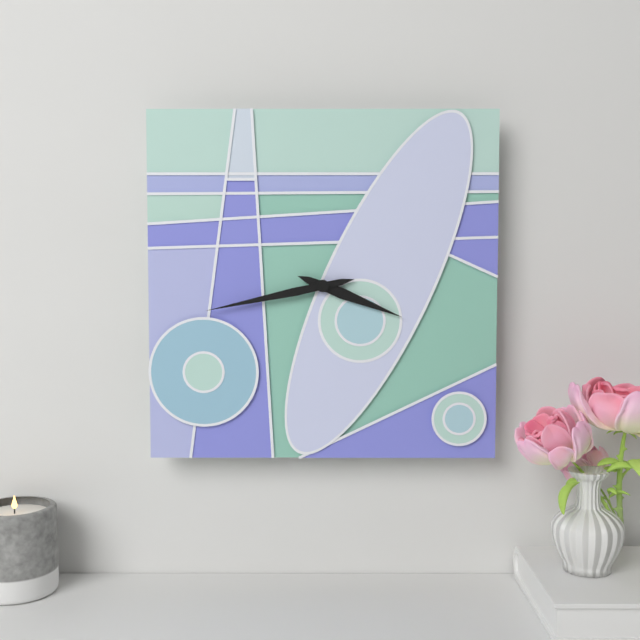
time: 3:43
